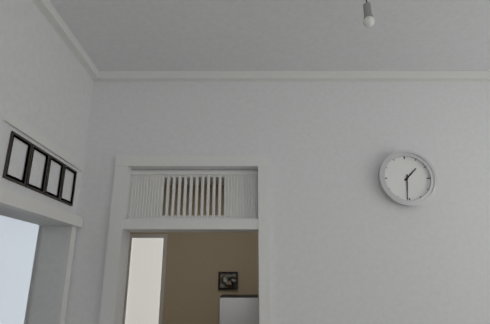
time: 1:31
